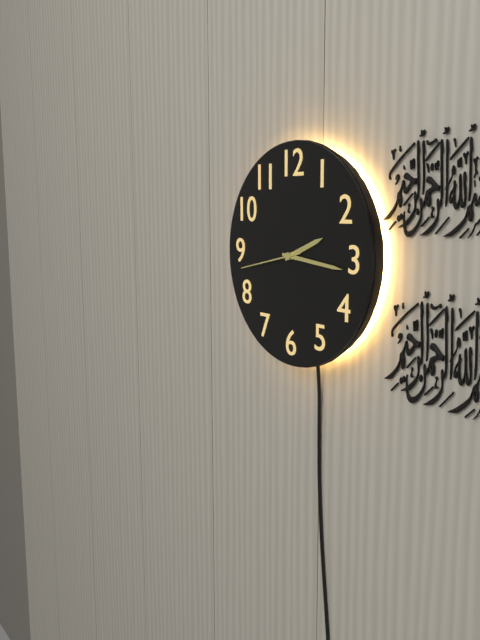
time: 2:16:43
